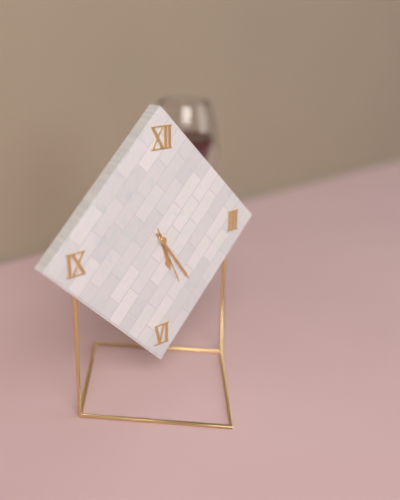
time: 5:24:26
